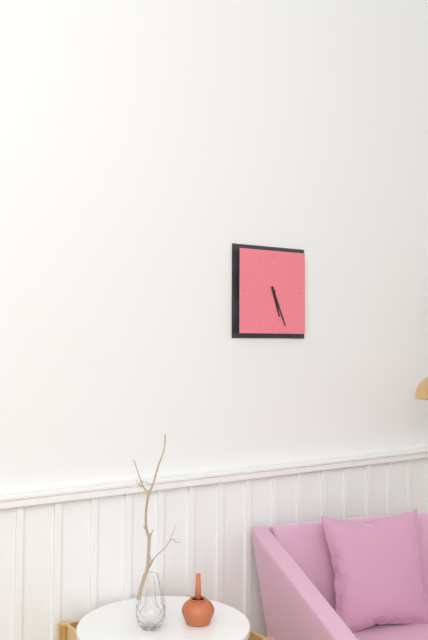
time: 5:26
